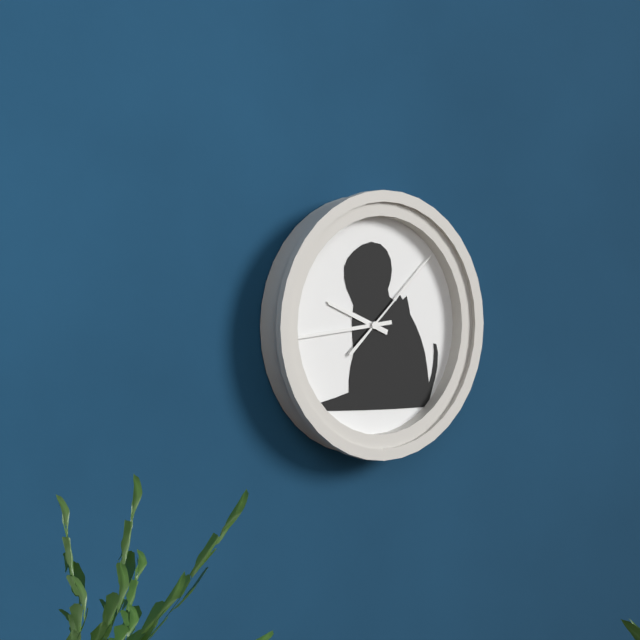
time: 9:44:08
